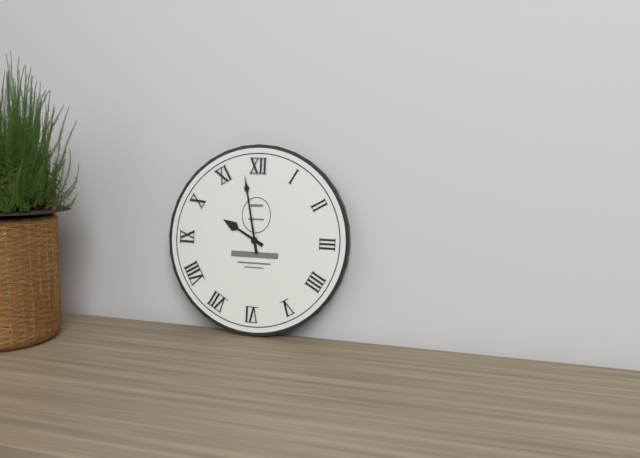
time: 9:58
